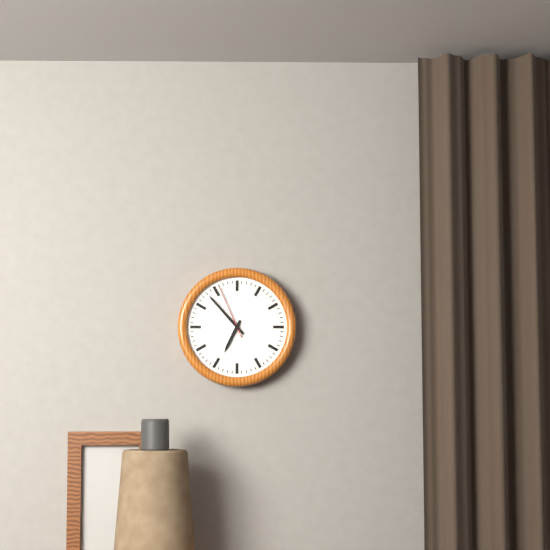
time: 6:53:56
